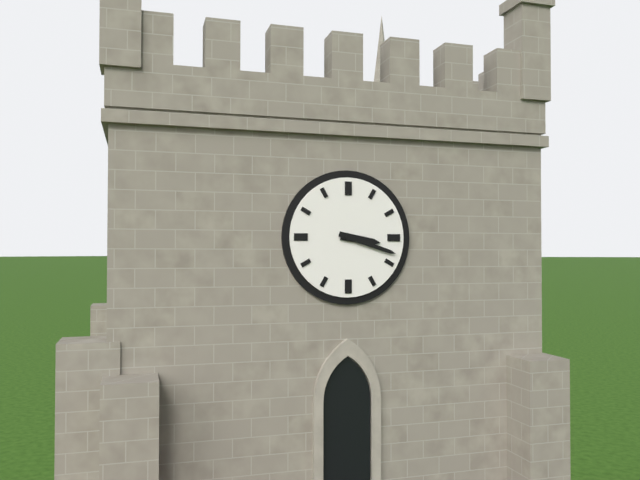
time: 3:18
